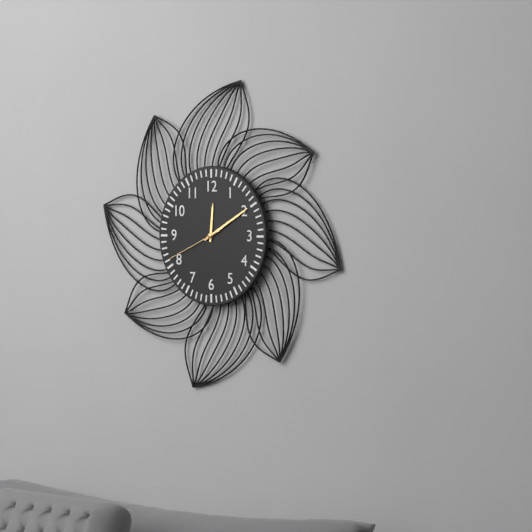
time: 12:10:41
